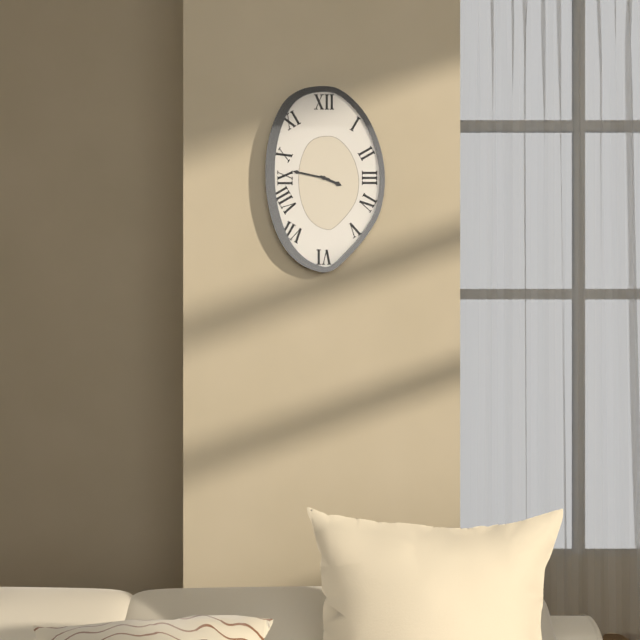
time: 3:47
